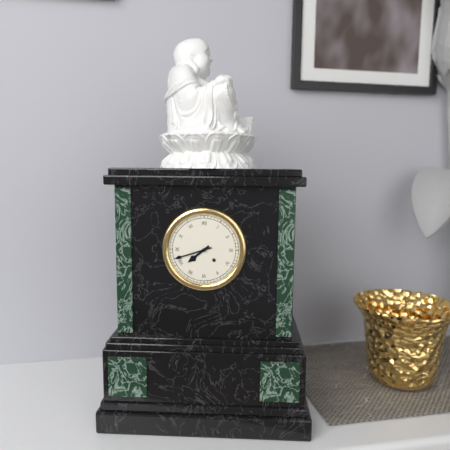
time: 7:42
